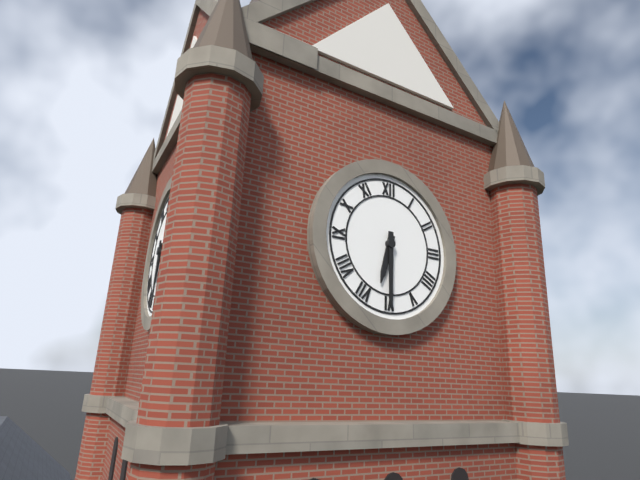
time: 6:30
